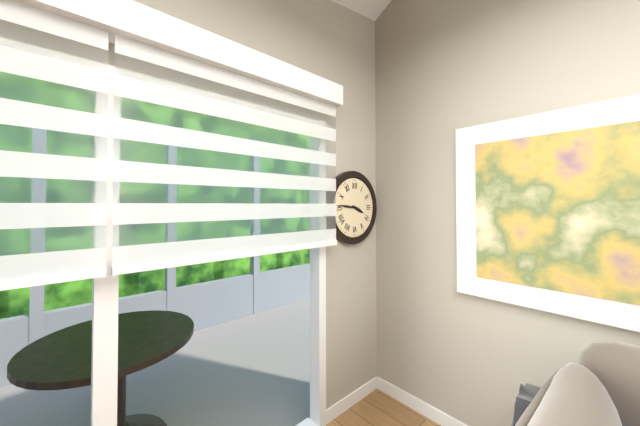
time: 3:46
